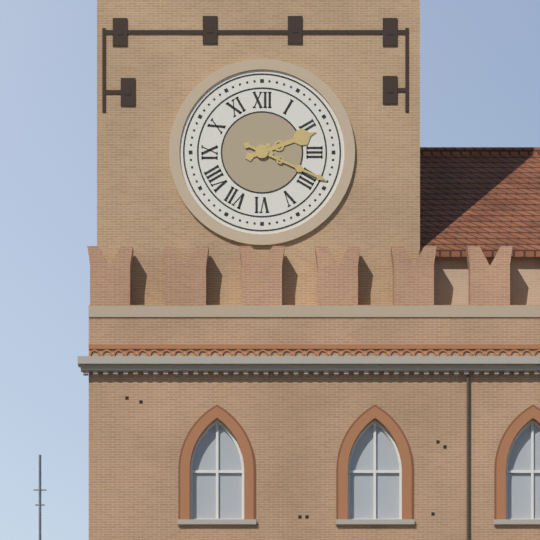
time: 2:19
